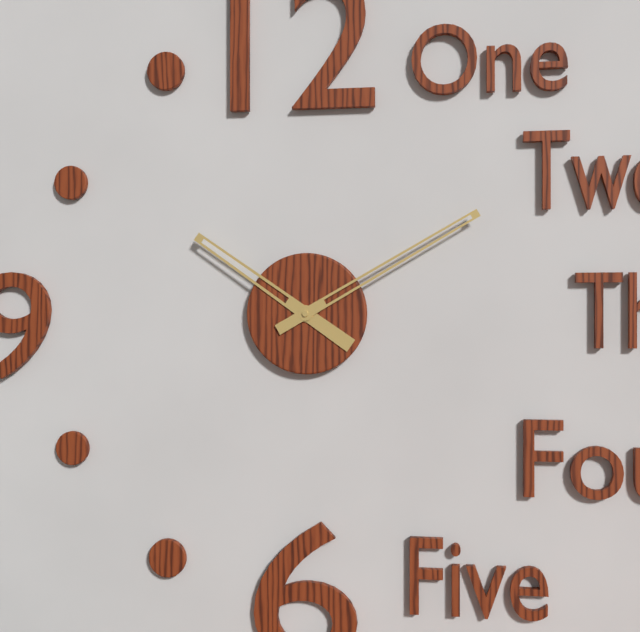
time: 10:10
